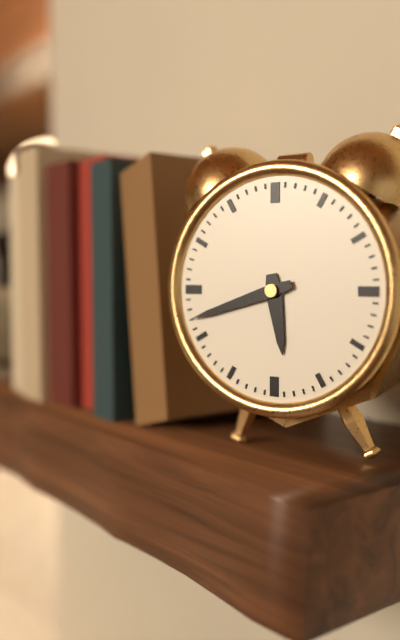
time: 5:42
